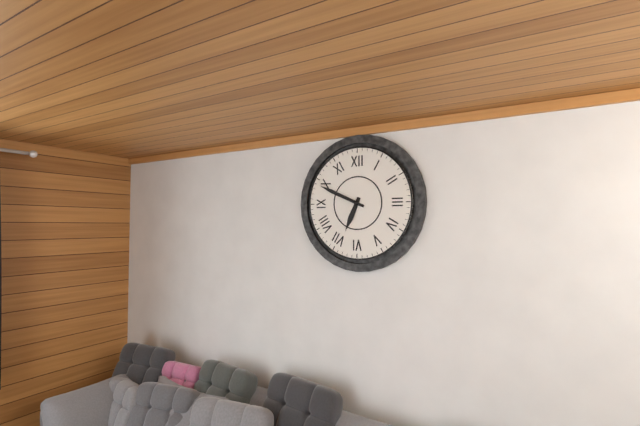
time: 6:49
